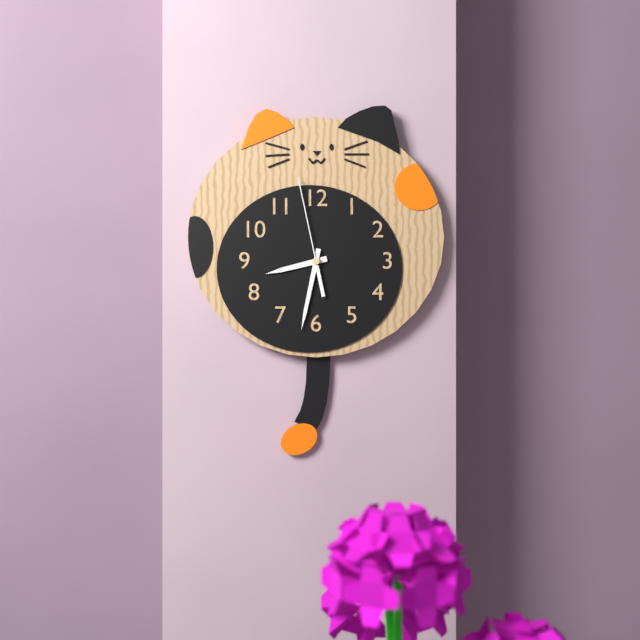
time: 8:32:58
